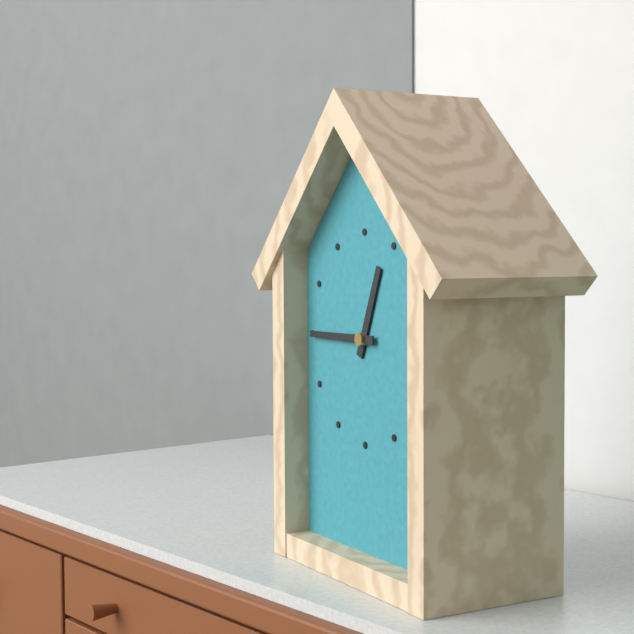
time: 12:45
